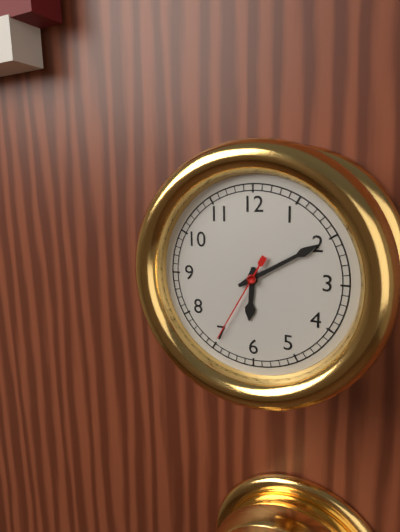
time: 6:10:35
